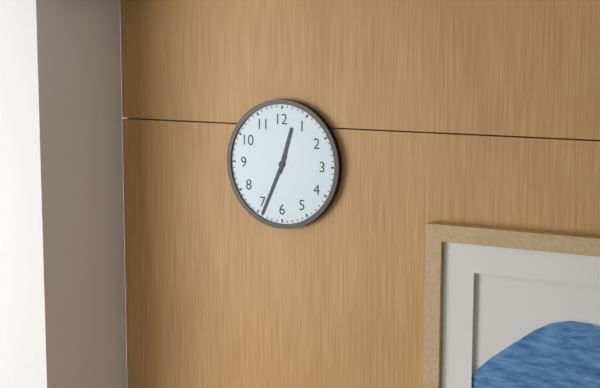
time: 12:34
